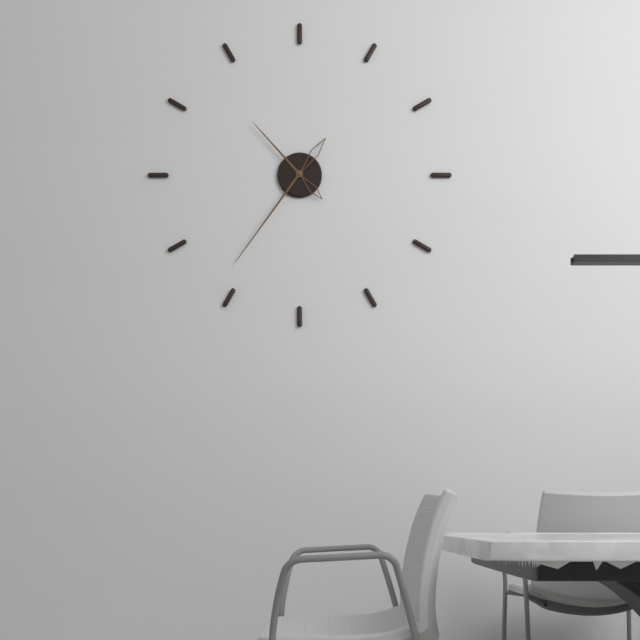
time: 10:36
